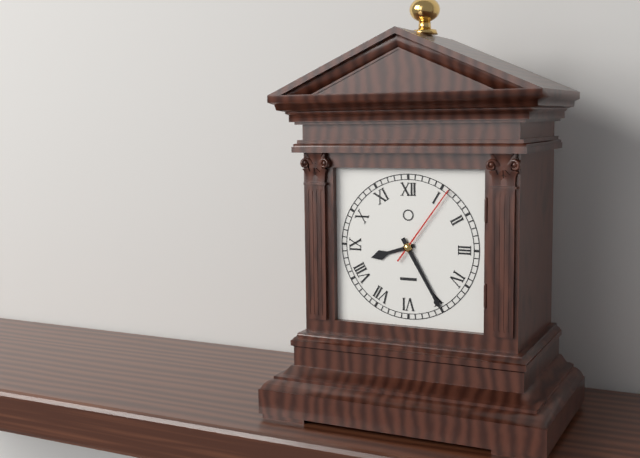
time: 8:25:06
